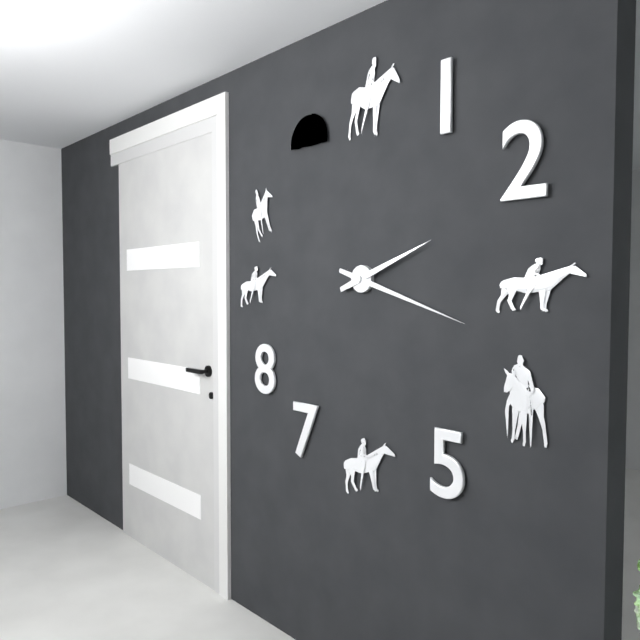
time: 2:18
